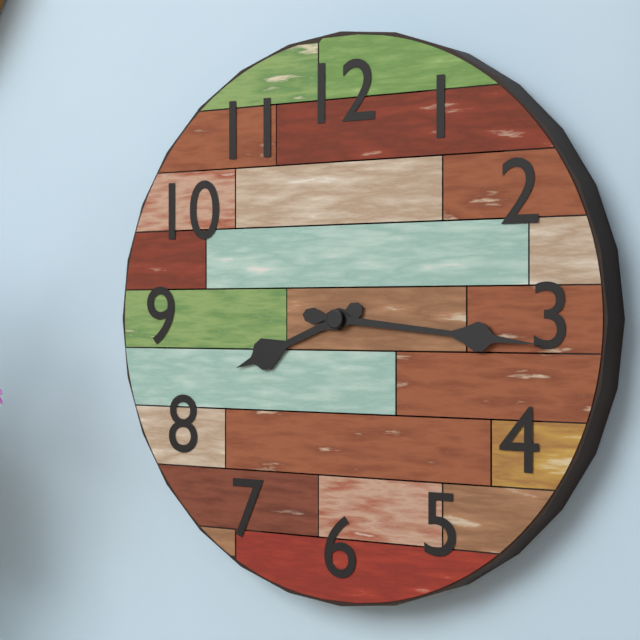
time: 8:16
